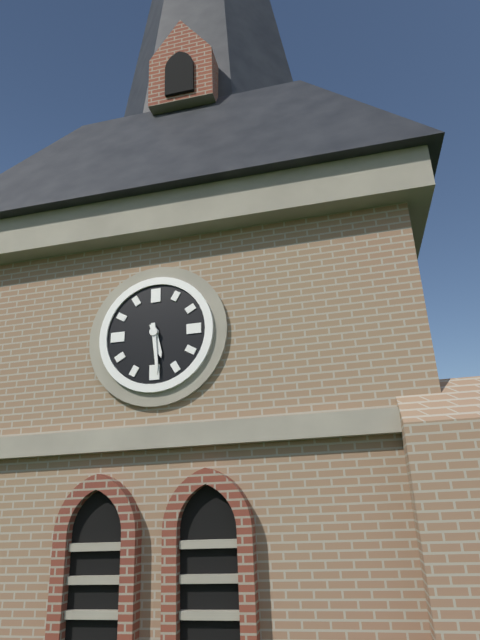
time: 5:29
